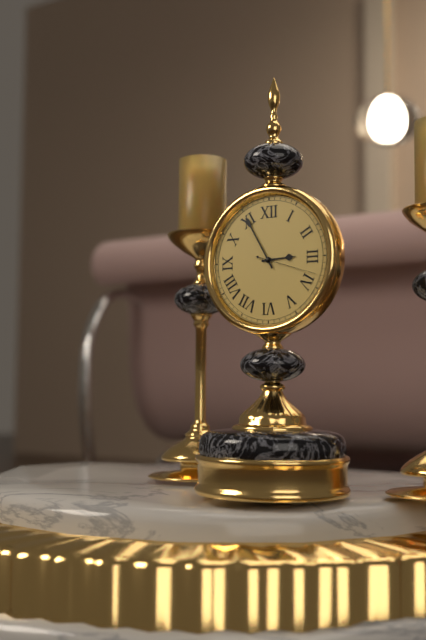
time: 2:55:18
